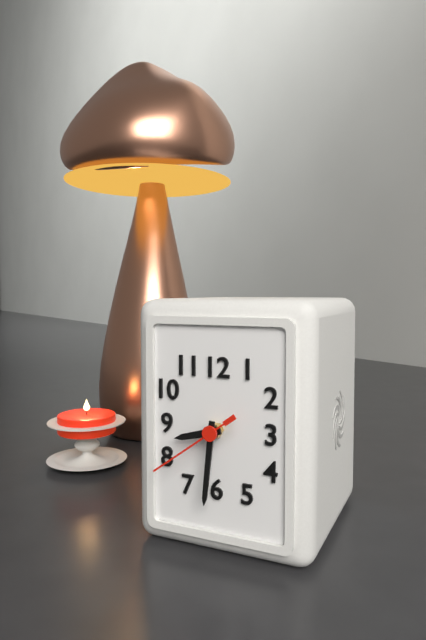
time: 8:31:39
